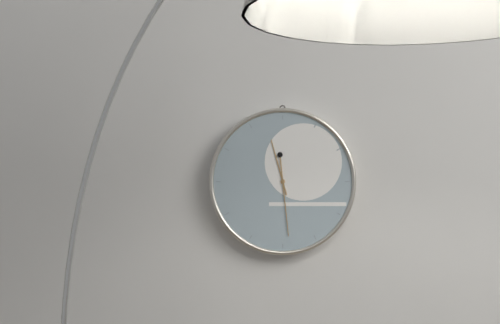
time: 11:29
